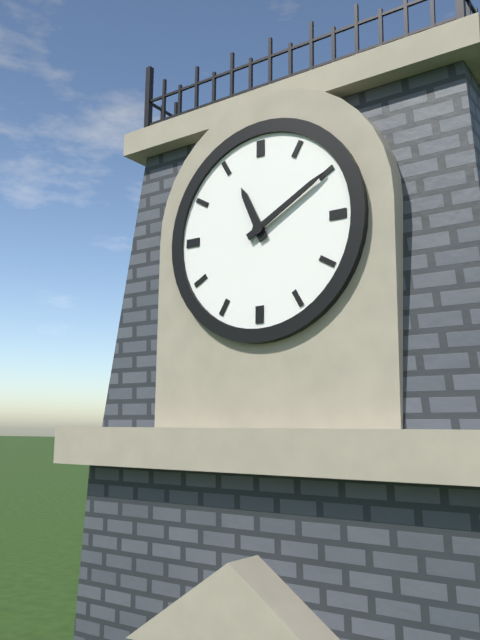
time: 11:10
